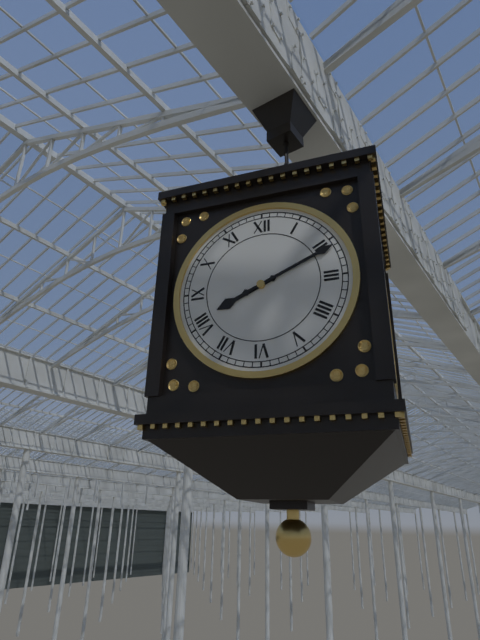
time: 8:11
